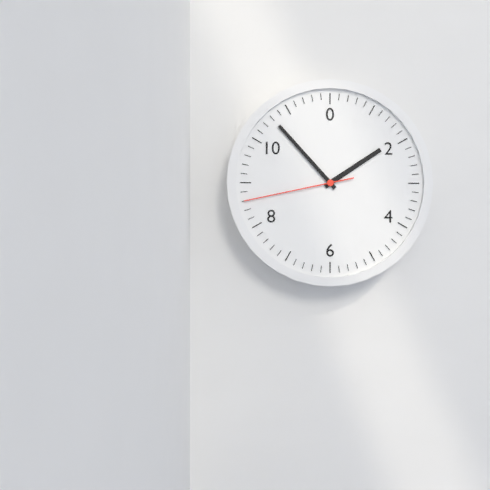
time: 1:53:43
